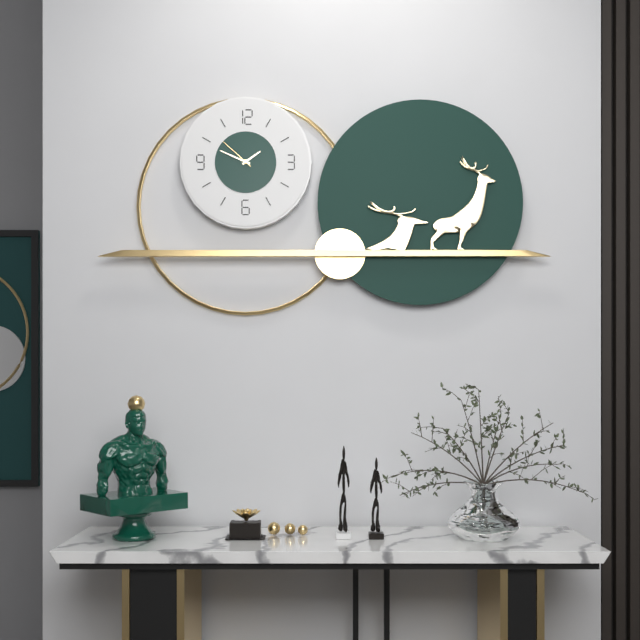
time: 1:49
